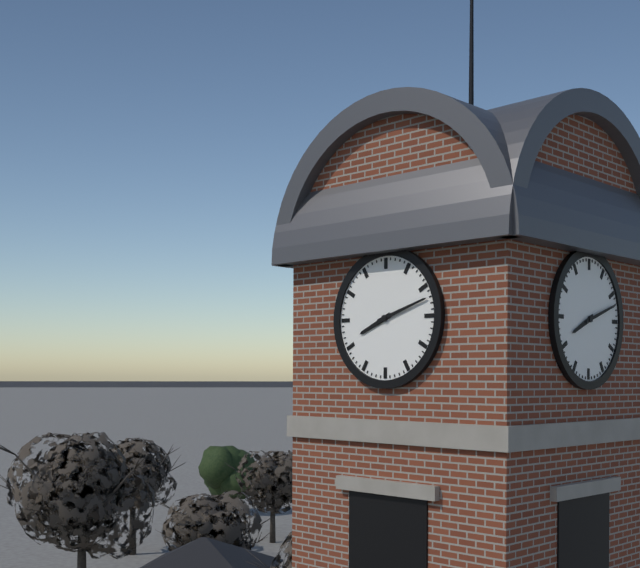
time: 8:12
